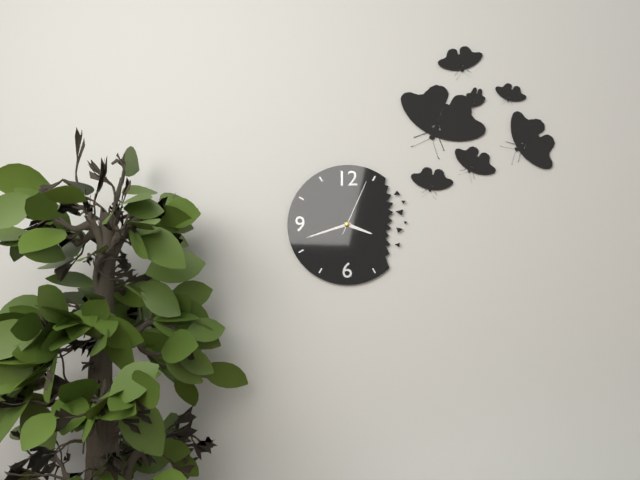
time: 3:42:04
